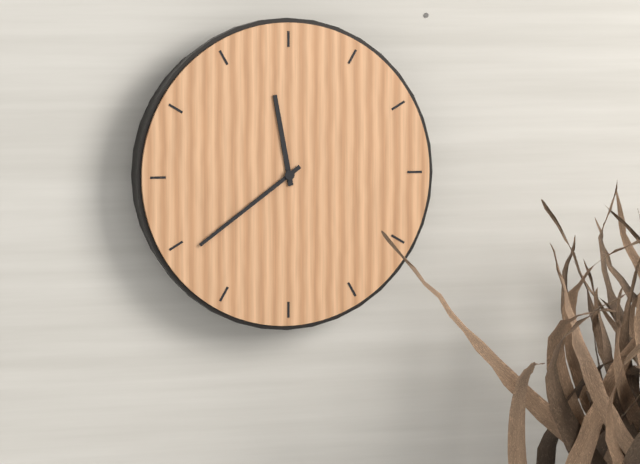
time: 11:39
